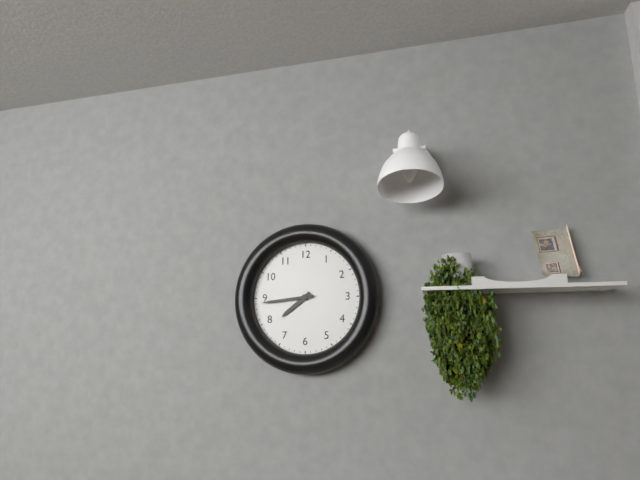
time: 7:44
